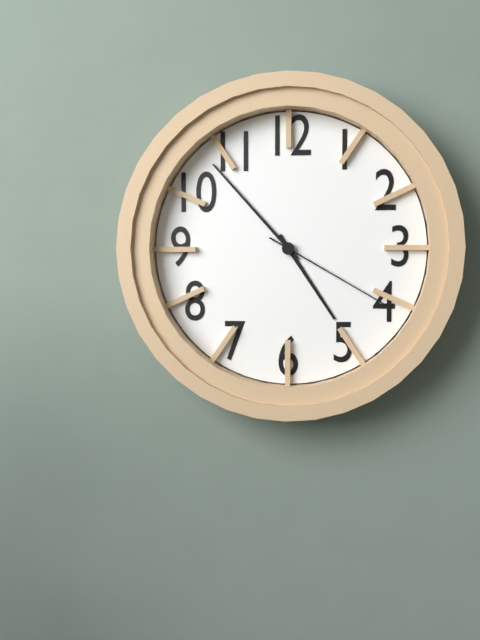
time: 4:53:20
